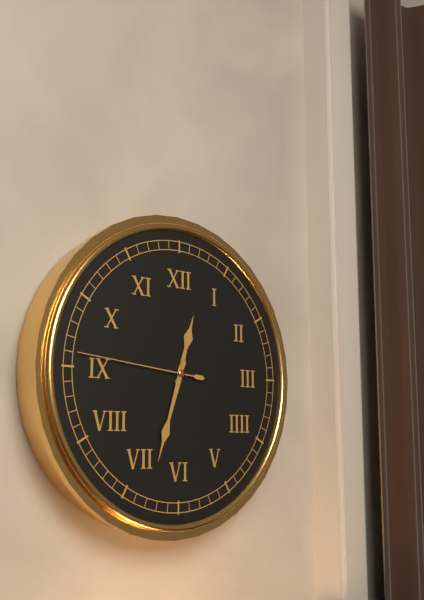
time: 12:33:46
